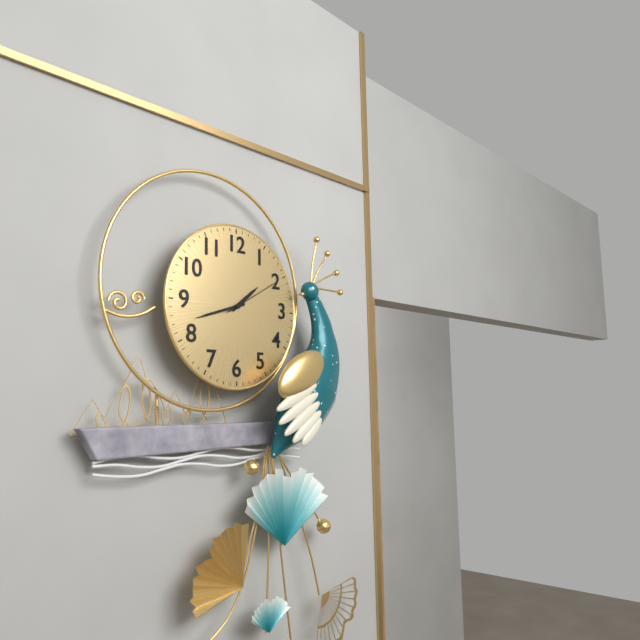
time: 1:42:10
